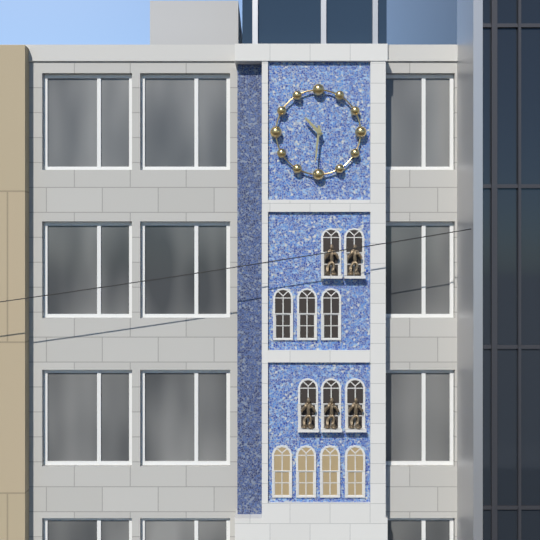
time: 10:31
